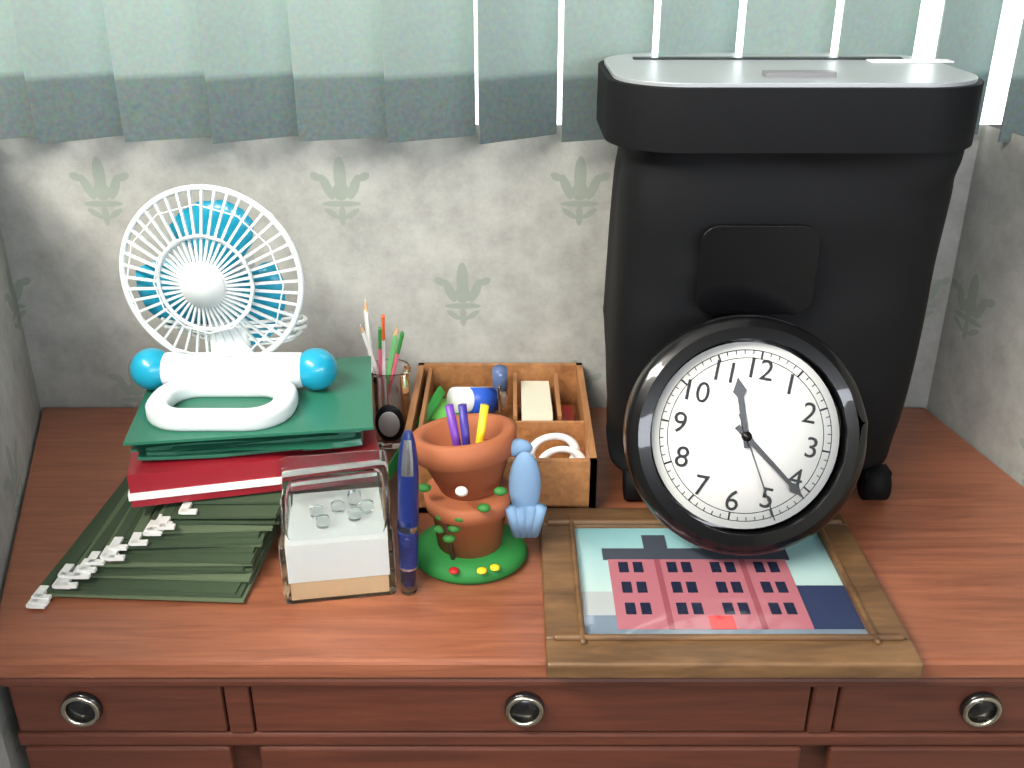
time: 11:21:25
